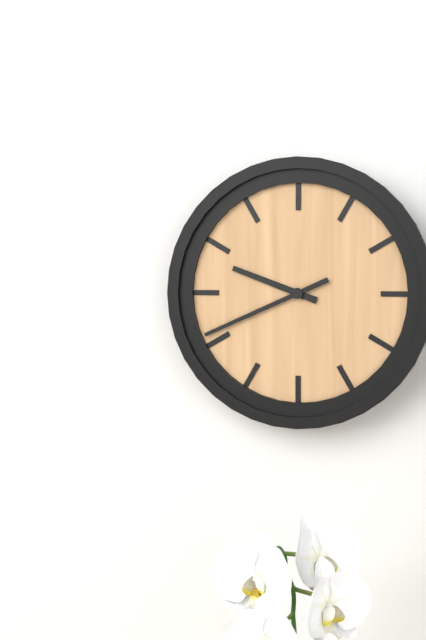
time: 9:41
